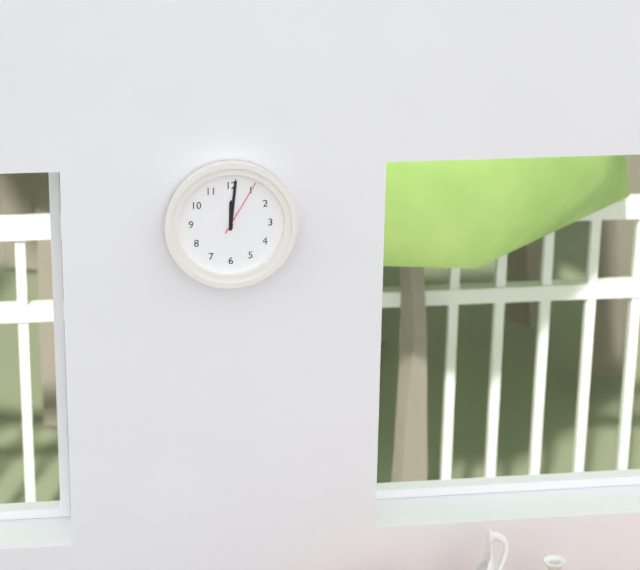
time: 12:01:05
